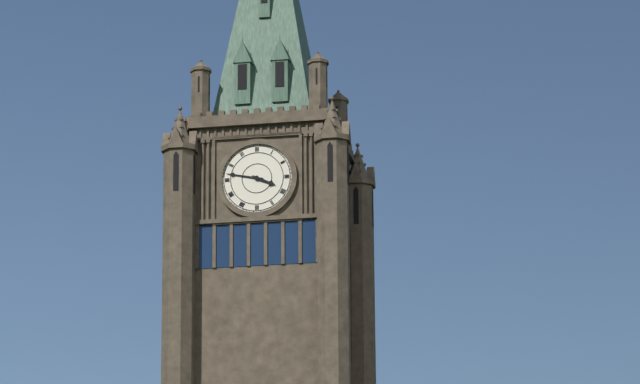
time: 3:47
